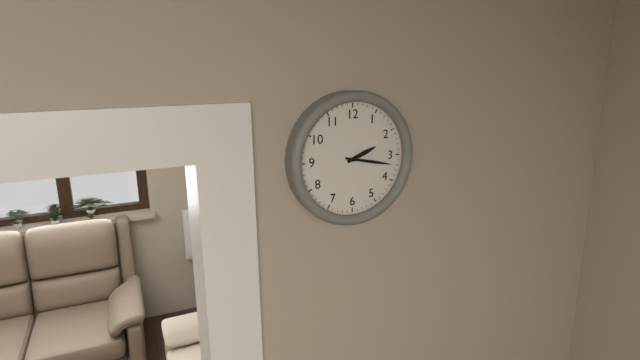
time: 2:17
